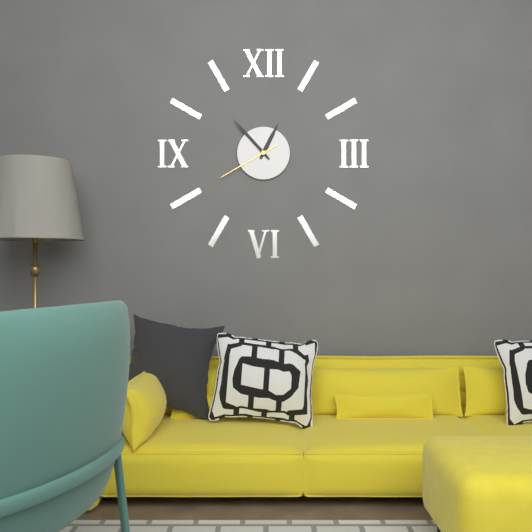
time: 12:53:40
